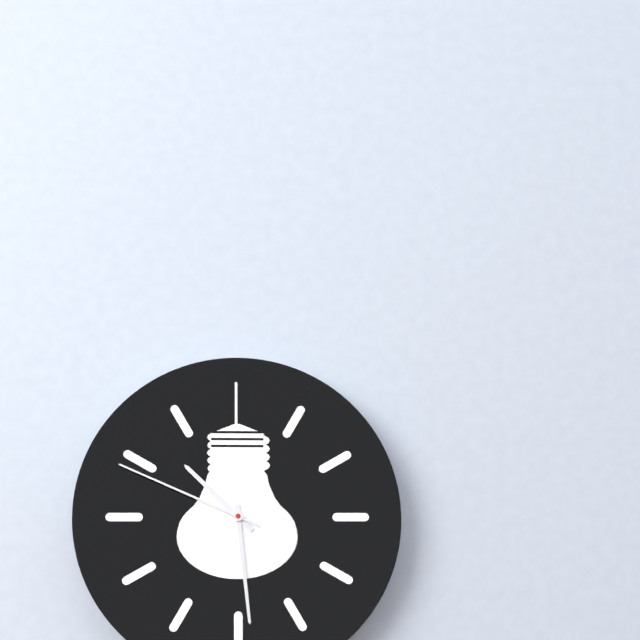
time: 10:29:49
